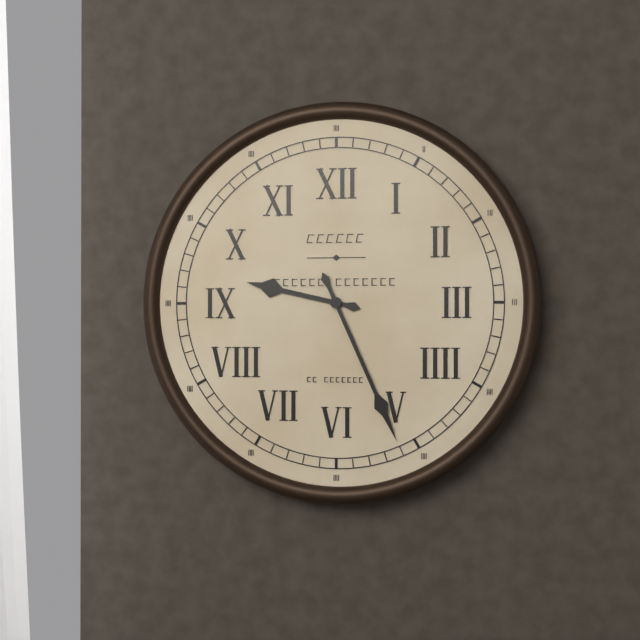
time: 9:26
